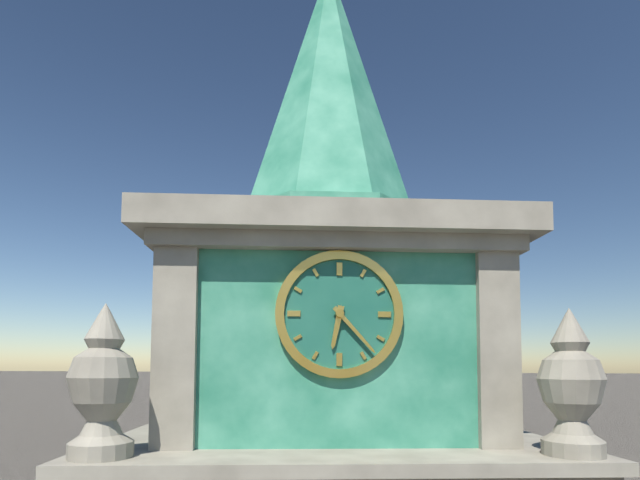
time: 6:23
